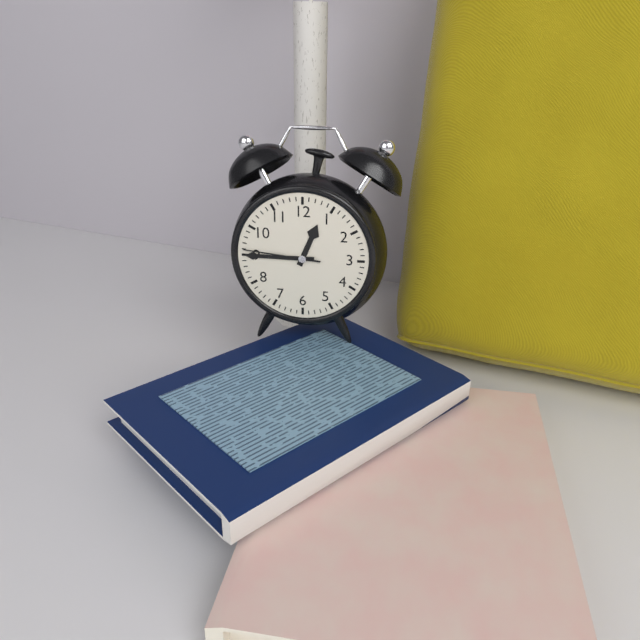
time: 12:45:46
